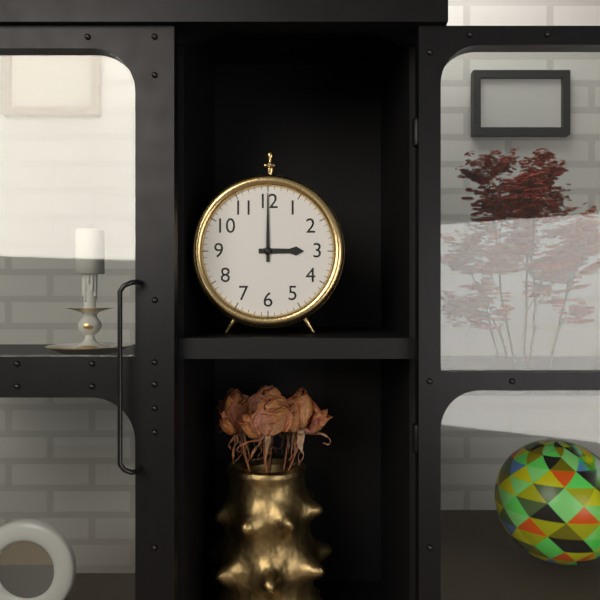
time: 3:00
